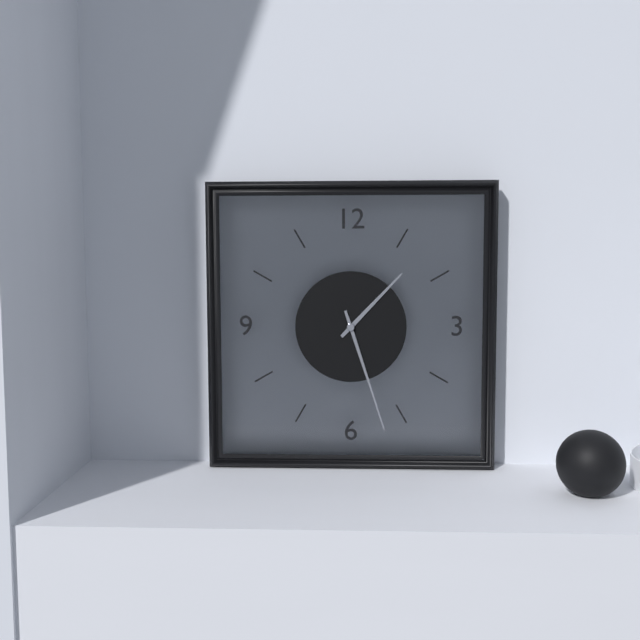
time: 1:27
